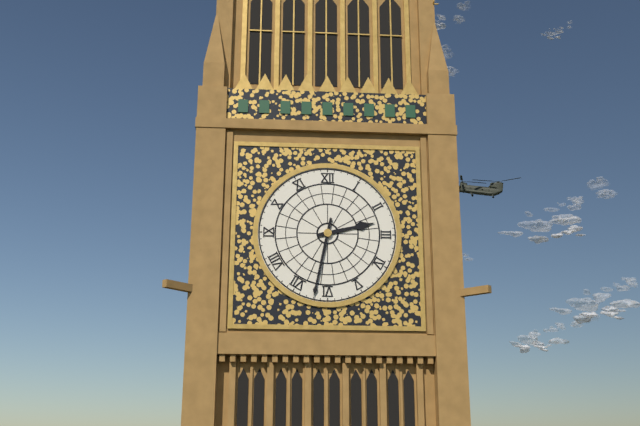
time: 2:32
